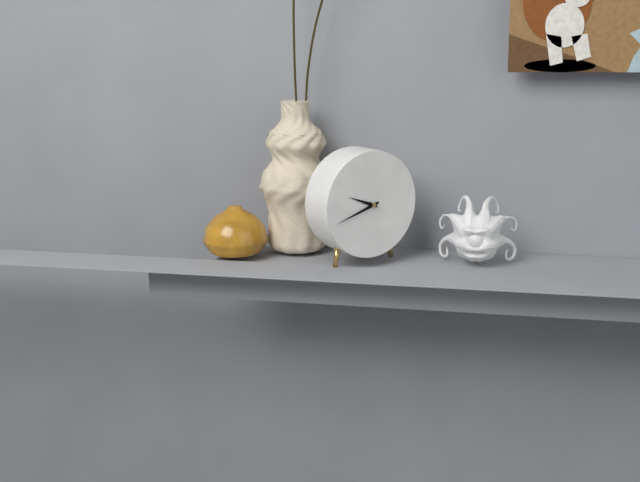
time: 9:42
